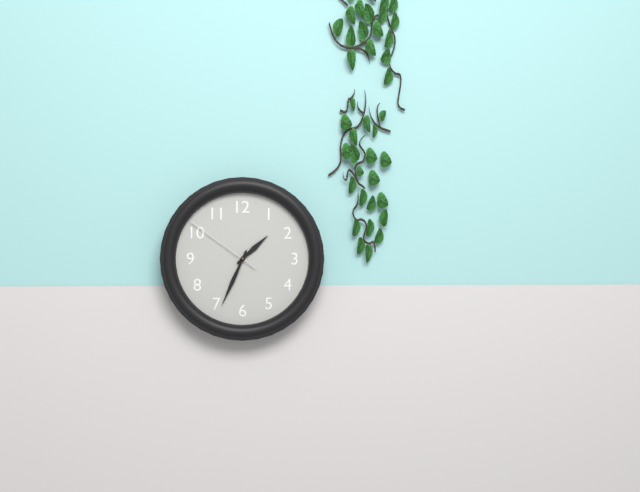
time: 1:34:51
